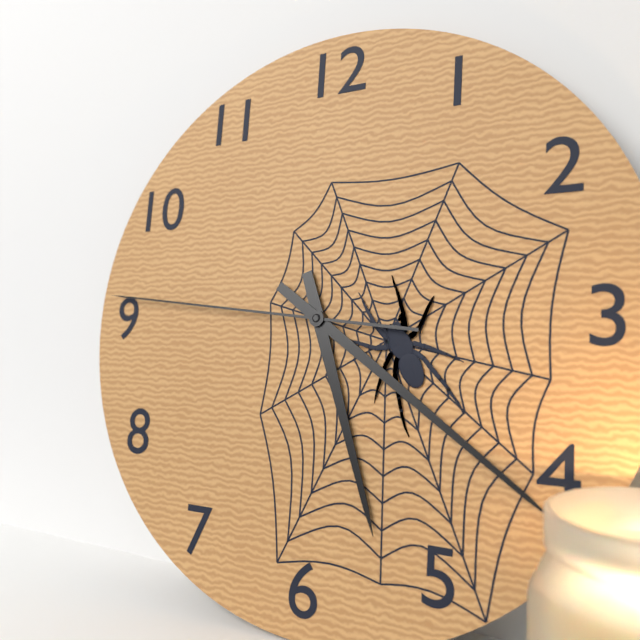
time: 5:21:46
